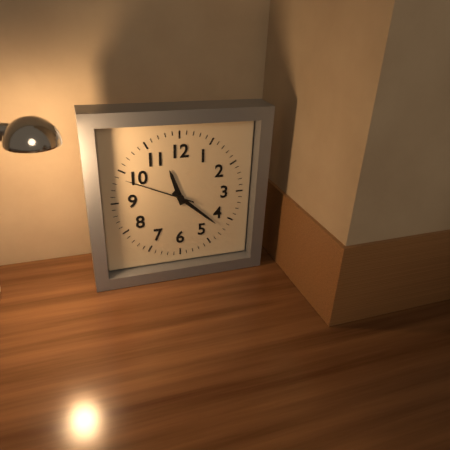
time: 11:22:49
